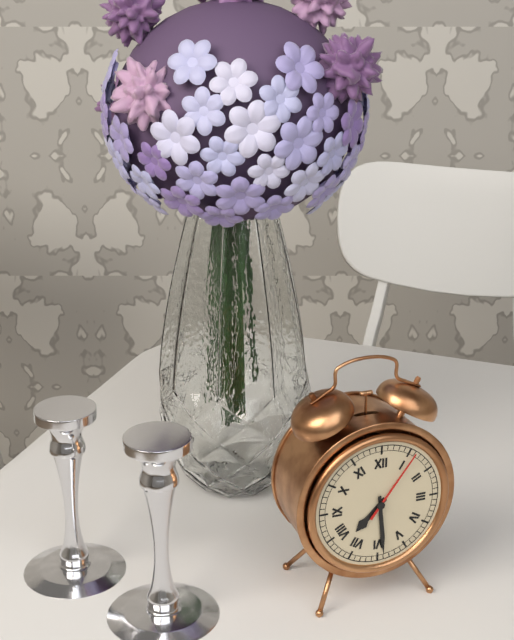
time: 7:29:06
